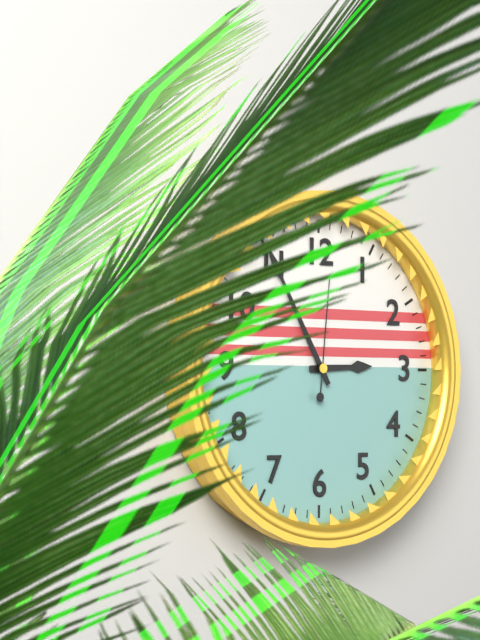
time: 2:55:01
